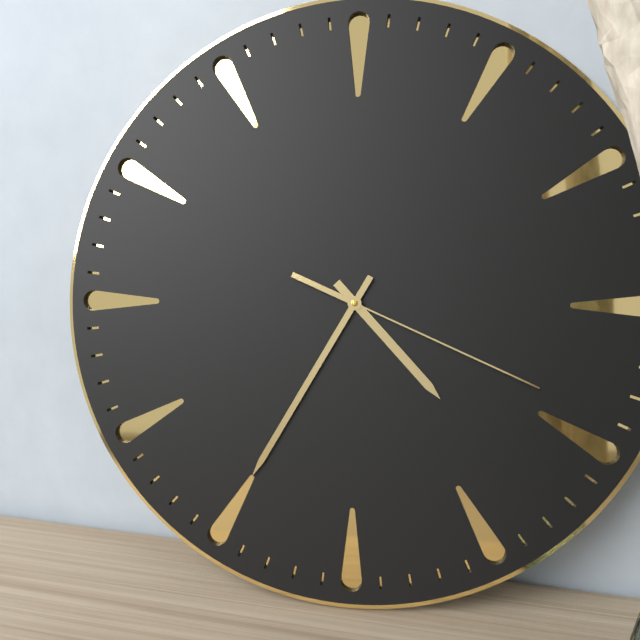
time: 4:35:19
